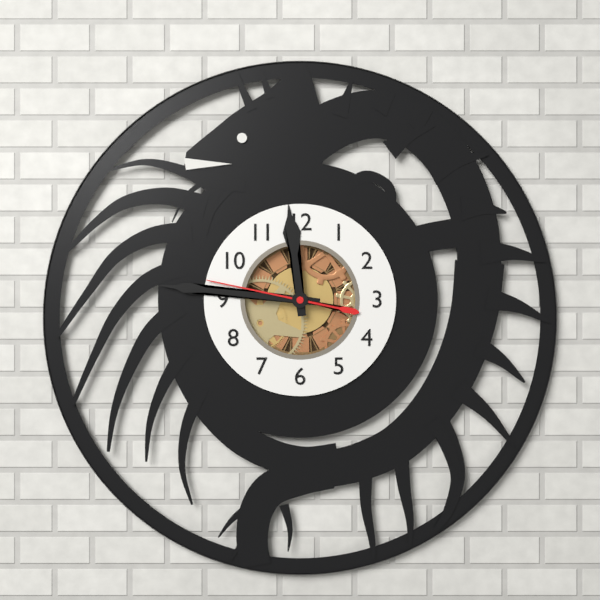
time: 11:46:47
